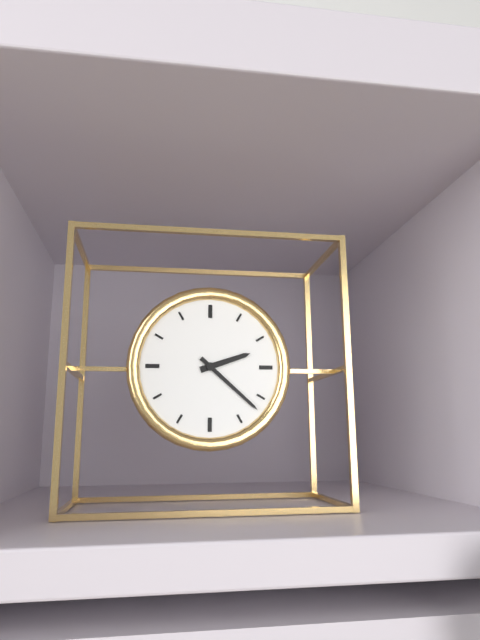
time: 2:22
